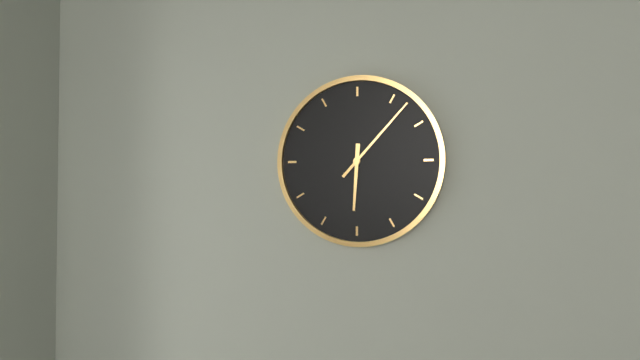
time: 6:07
